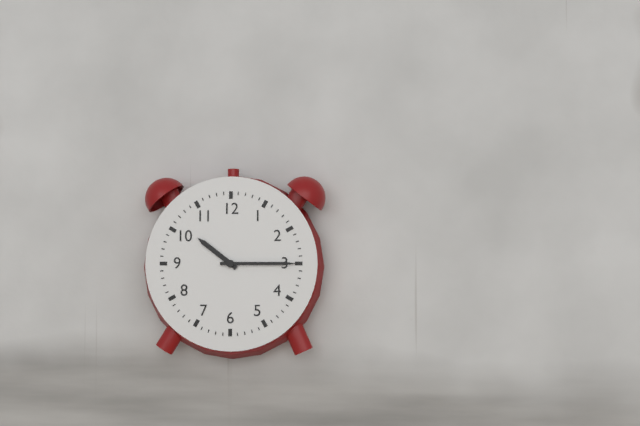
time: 10:15
